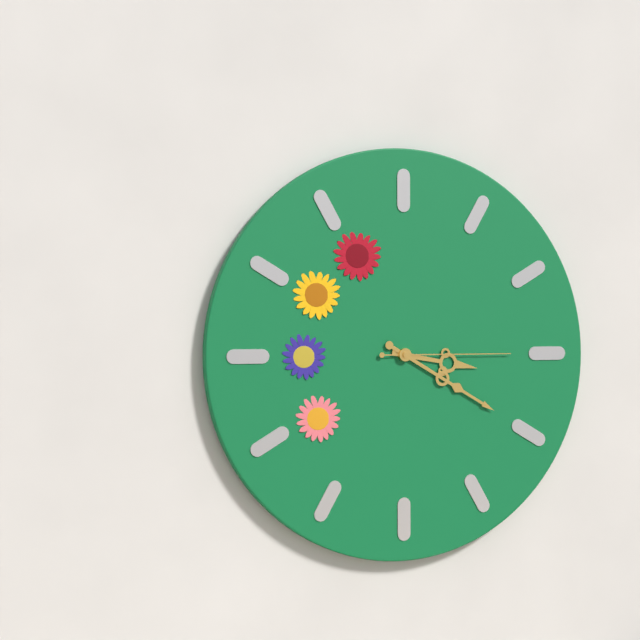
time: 3:20:15
